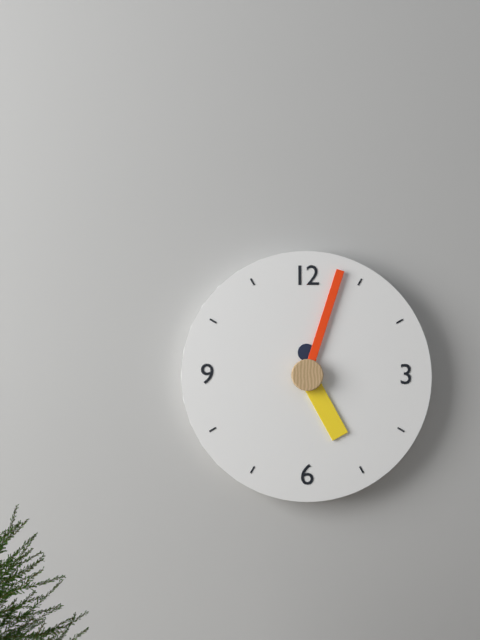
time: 5:03
